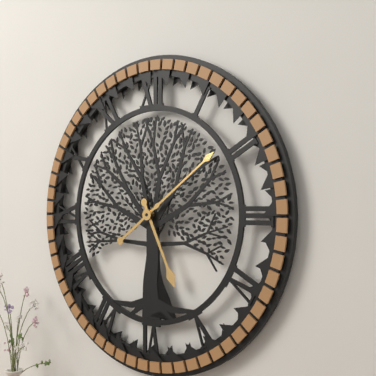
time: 5:09
